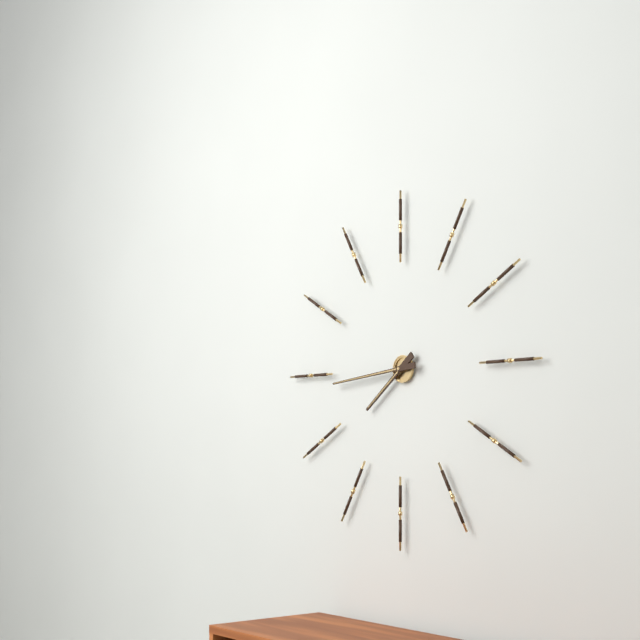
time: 7:44
